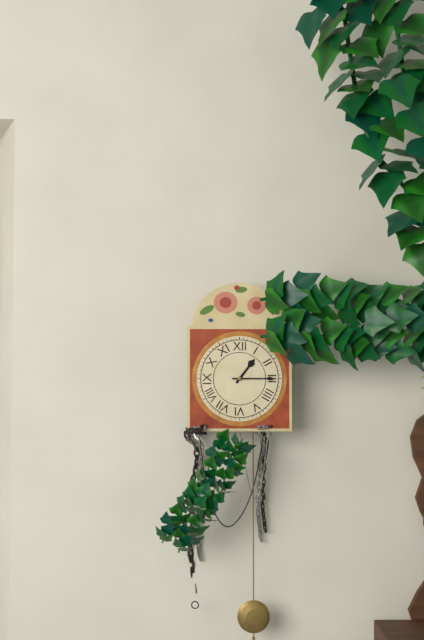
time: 1:15
